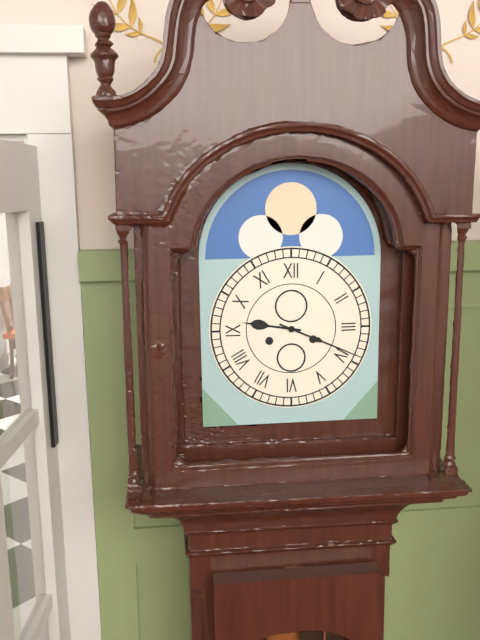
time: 9:19
